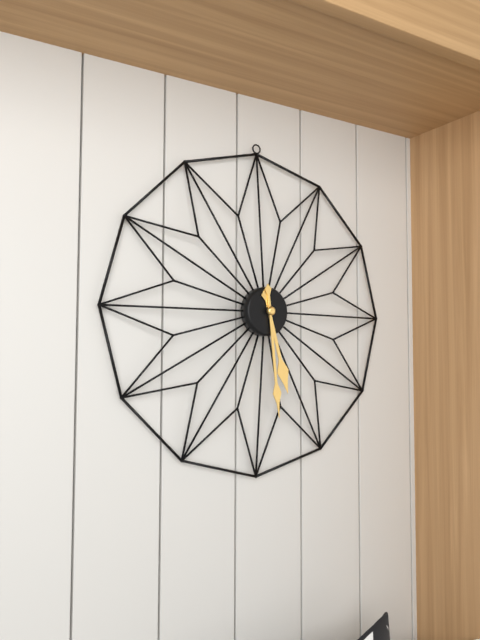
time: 5:29
